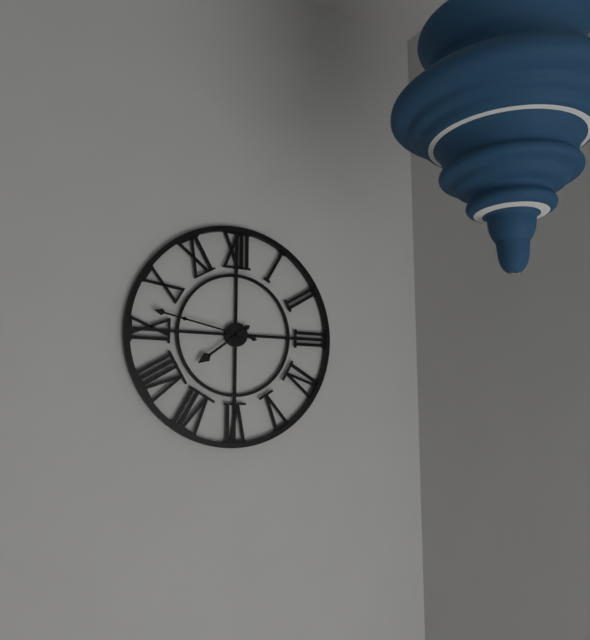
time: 7:47
